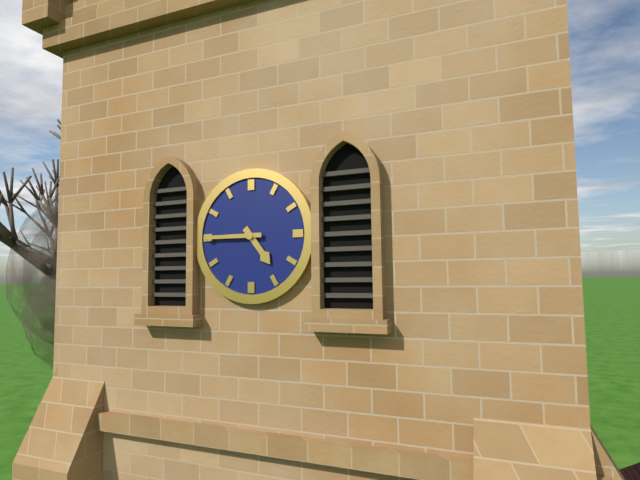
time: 4:45
